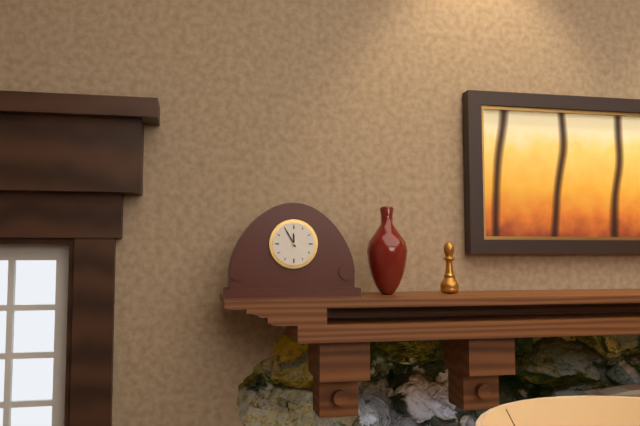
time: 11:55
